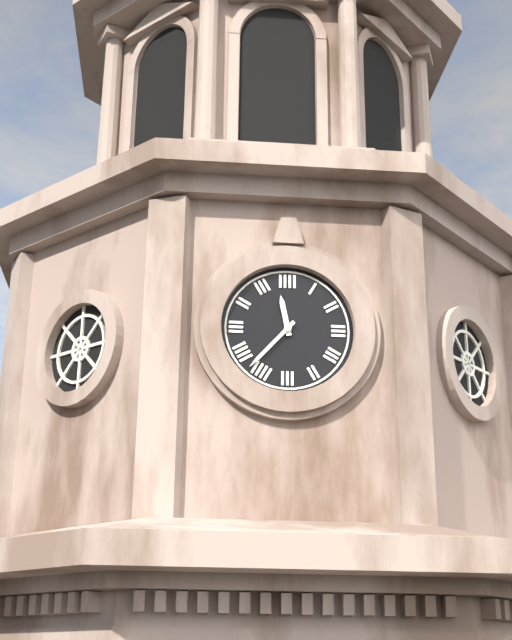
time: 11:37
